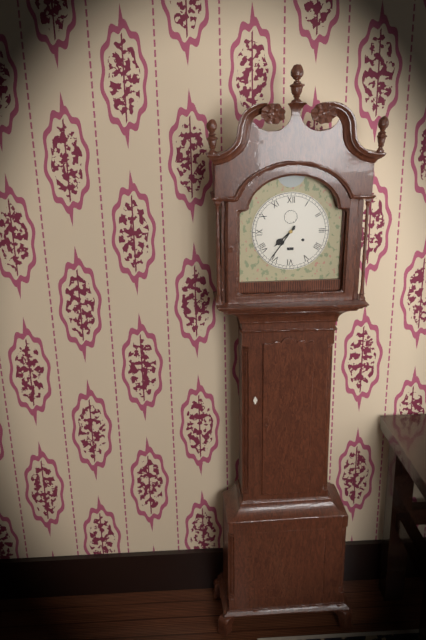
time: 7:36
